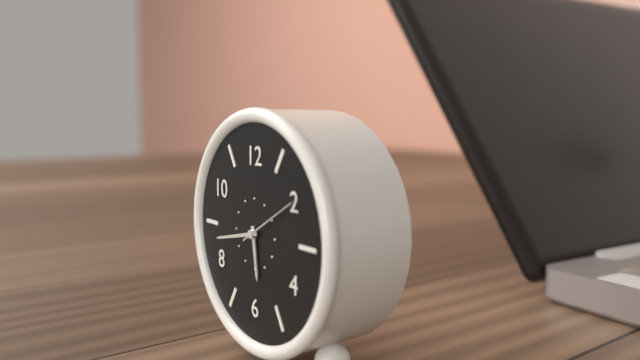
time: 5:43
